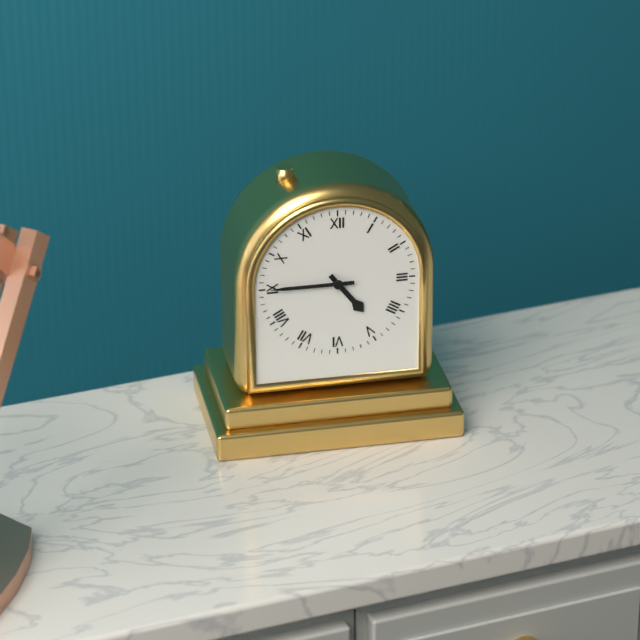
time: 4:45
